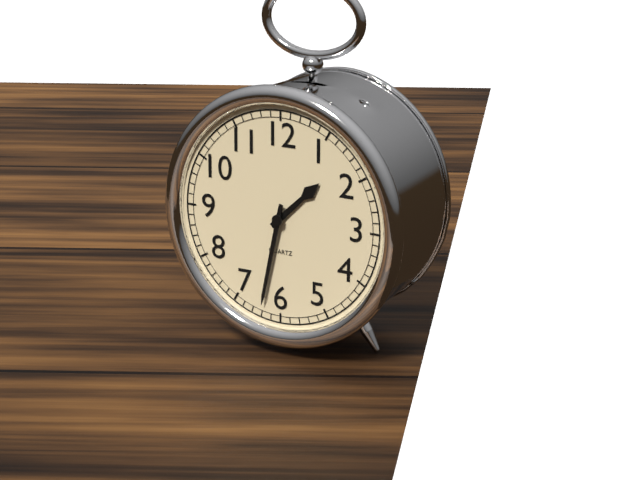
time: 1:32
